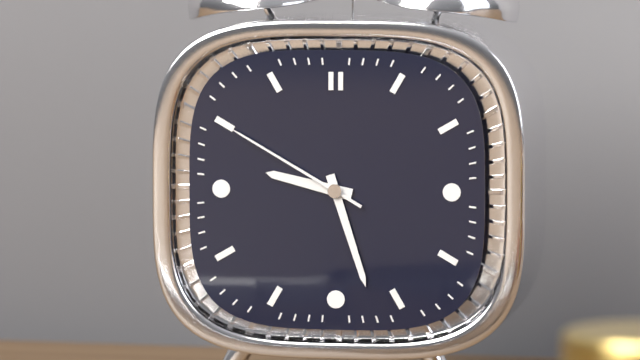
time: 9:27:50
